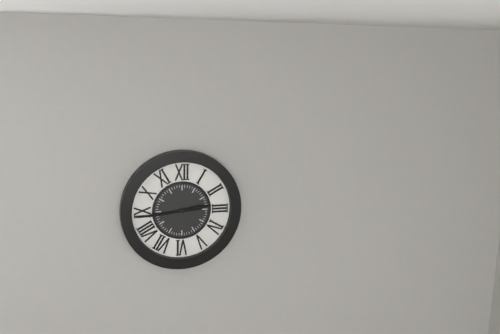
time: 2:44
